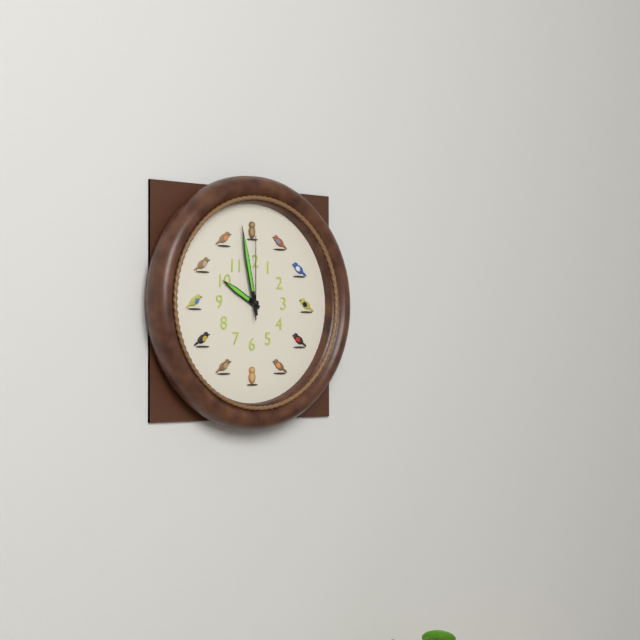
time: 9:58:00
